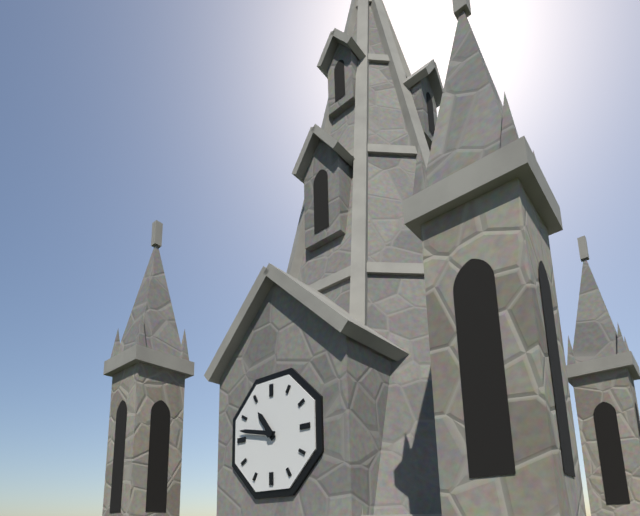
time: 10:47
